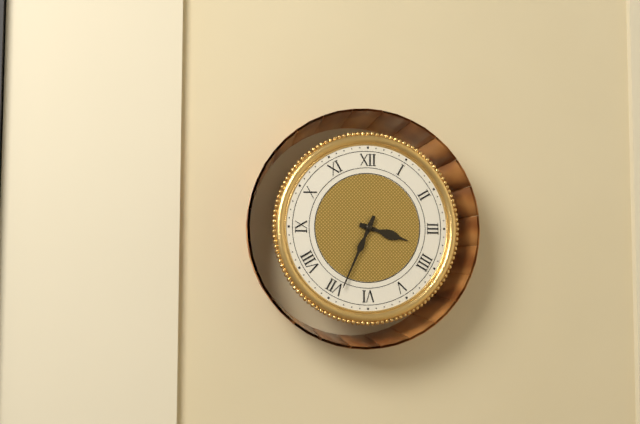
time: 3:34
